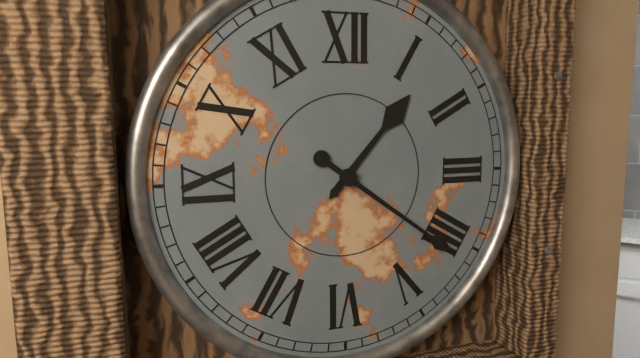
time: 1:21
